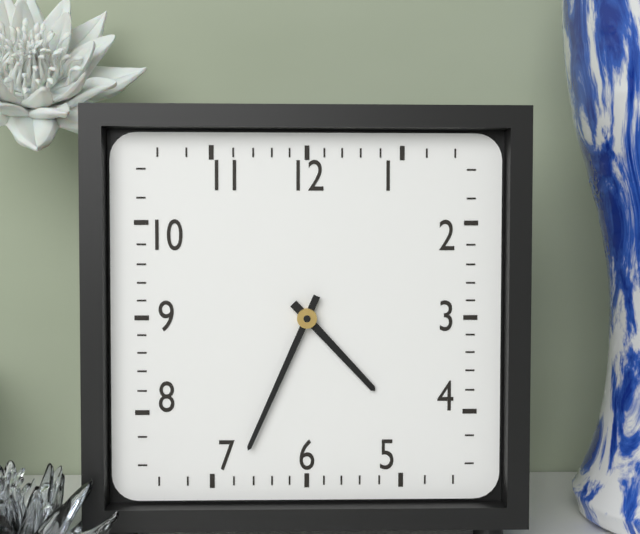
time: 4:34
